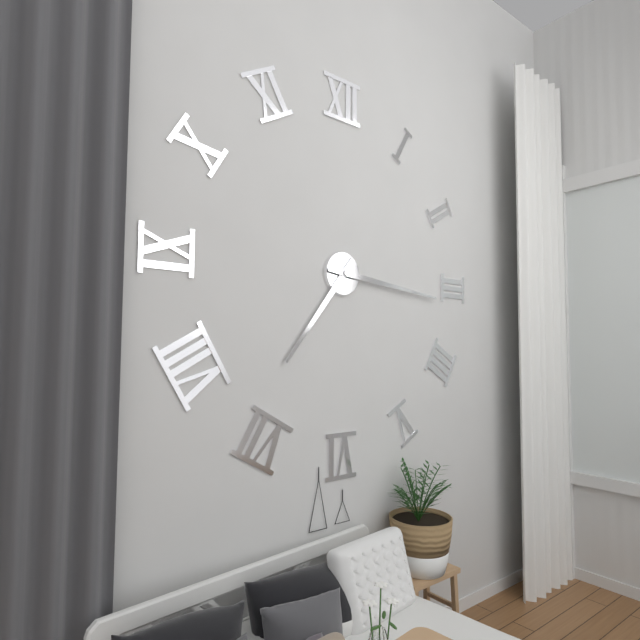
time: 7:16
